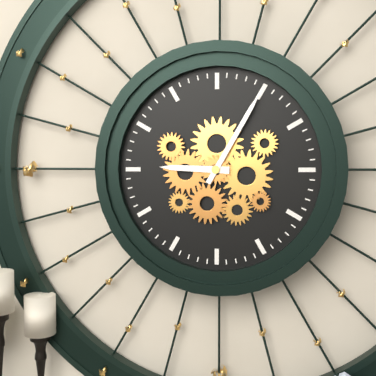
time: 9:05
